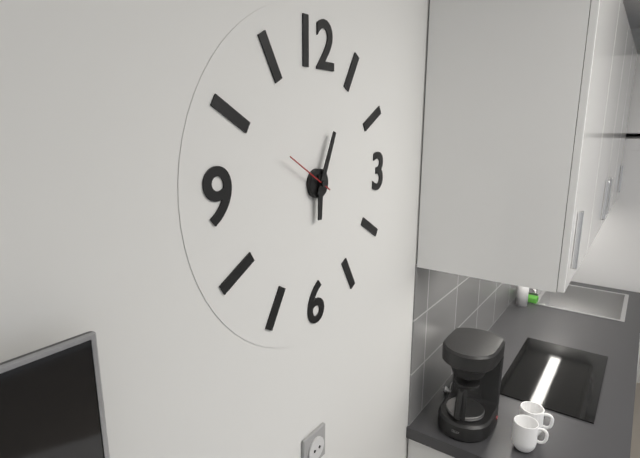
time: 6:04
